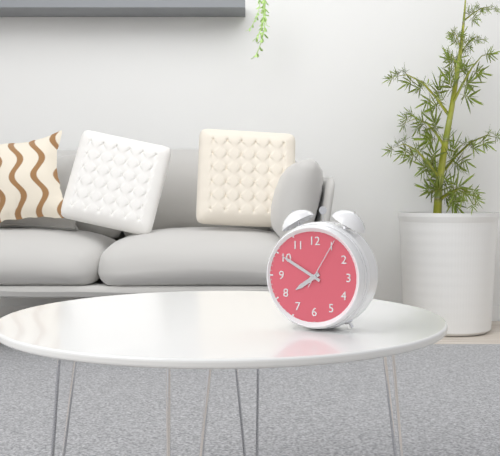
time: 7:50:05
